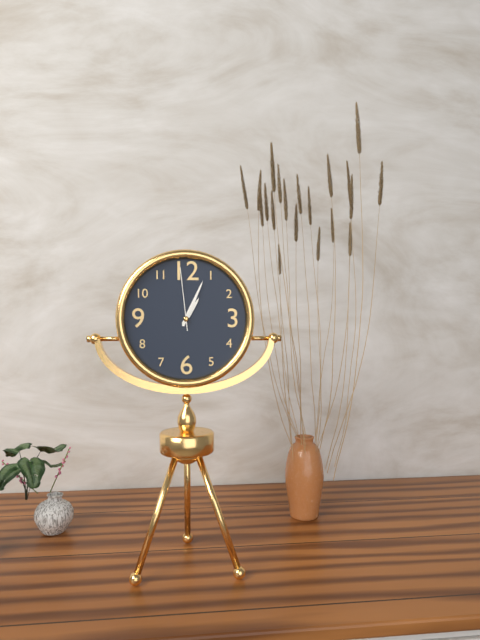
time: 1:04:59
